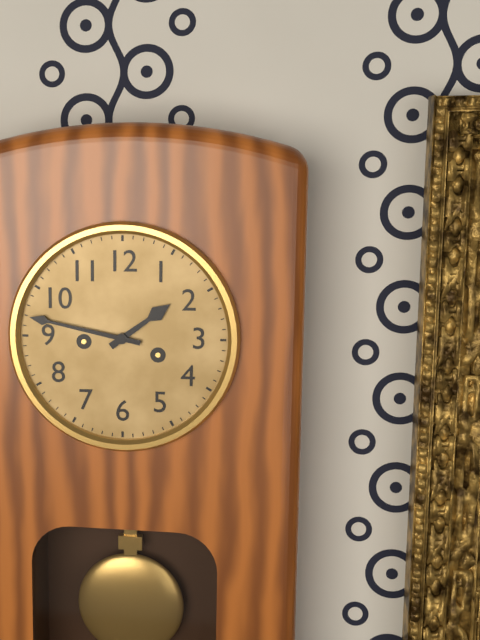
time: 1:47
